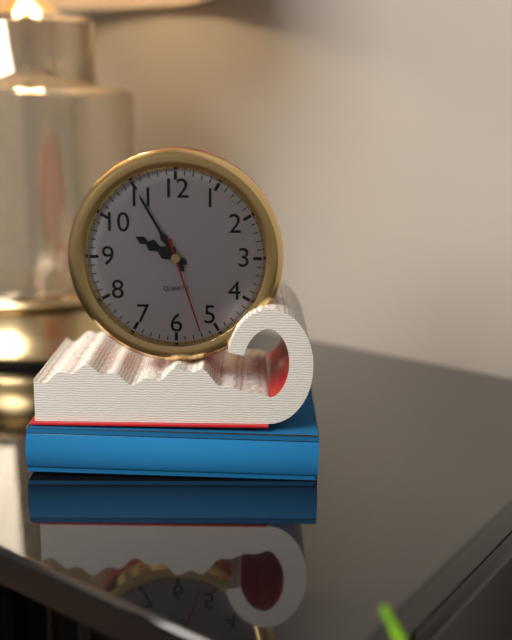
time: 9:55:27
